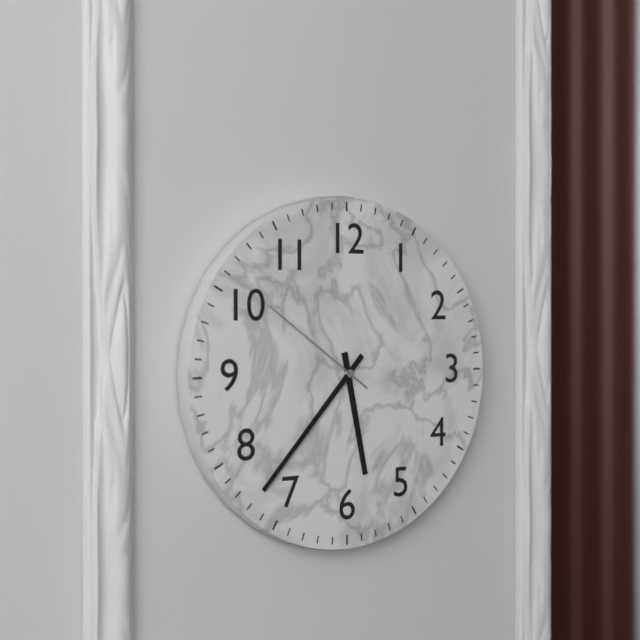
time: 5:37:51
